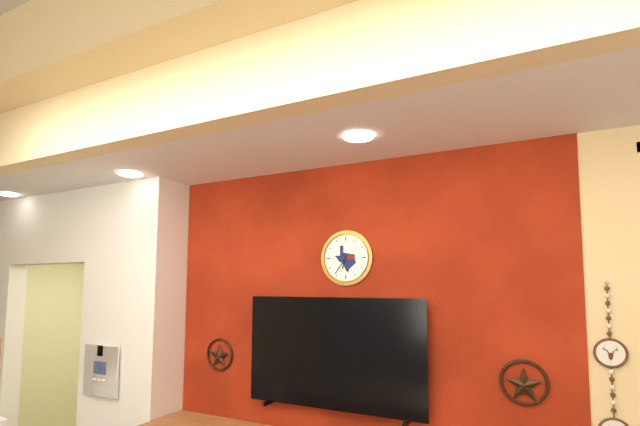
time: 6:36
